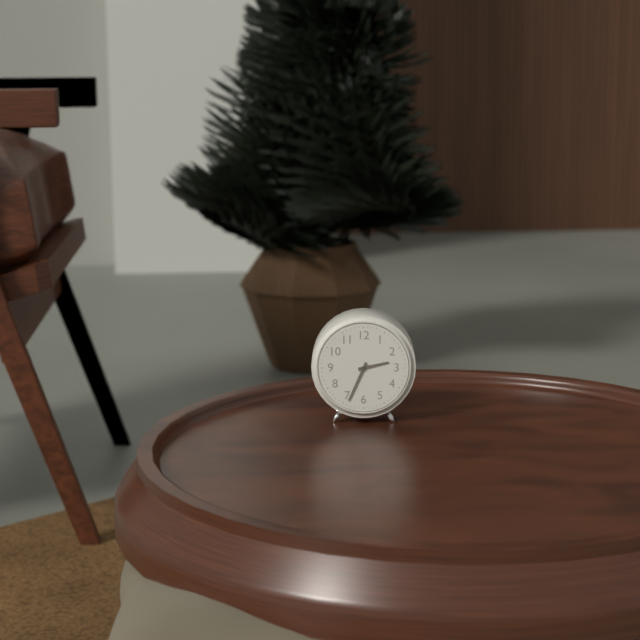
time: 2:34
